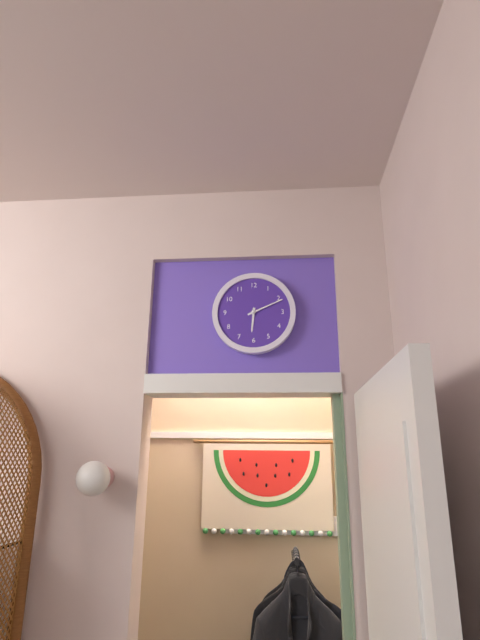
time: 6:11
